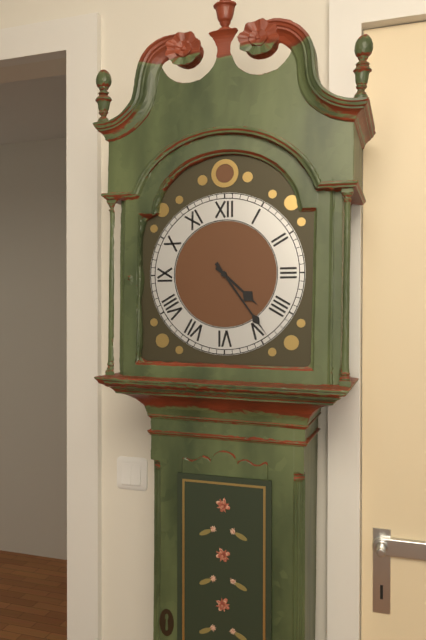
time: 4:24
